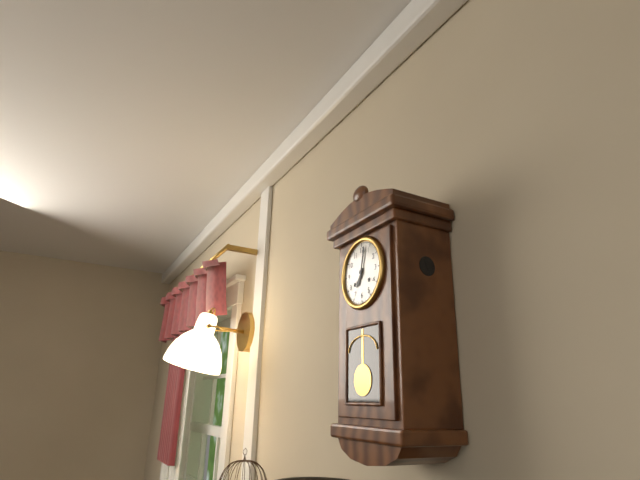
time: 7:02
